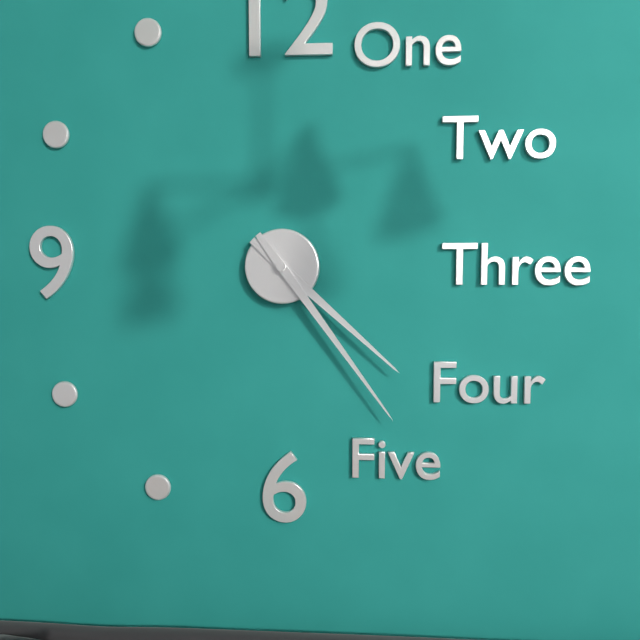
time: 4:24
